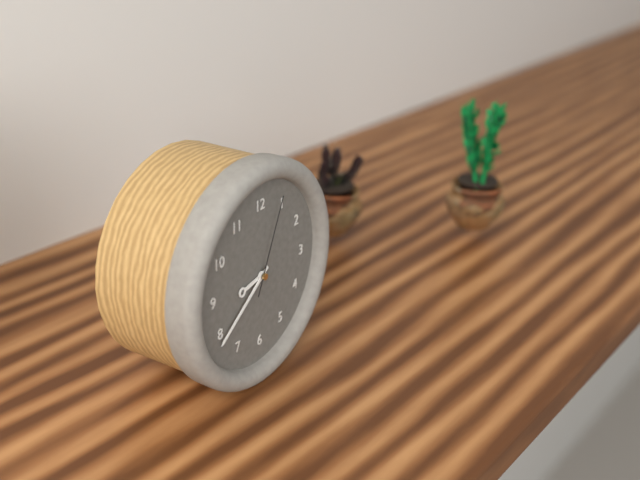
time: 8:39:04
